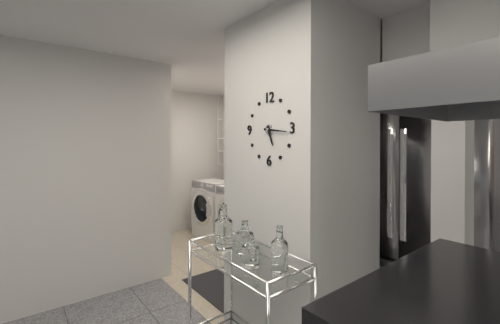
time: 5:16
